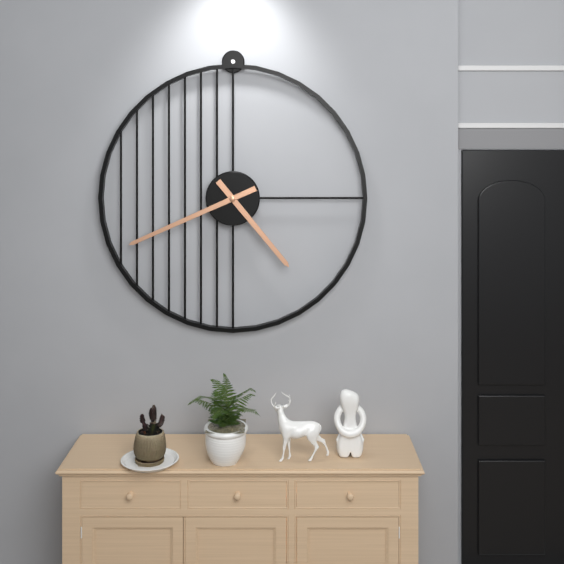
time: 4:41
